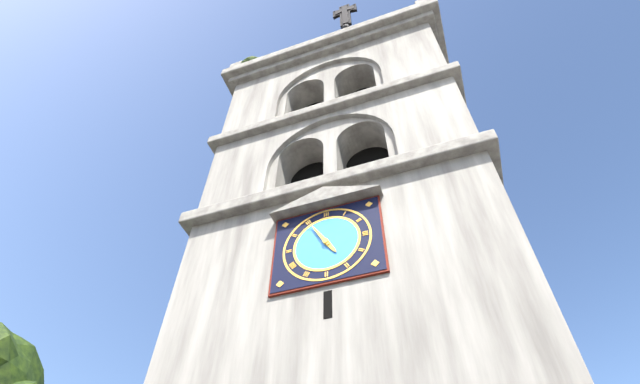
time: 4:55
